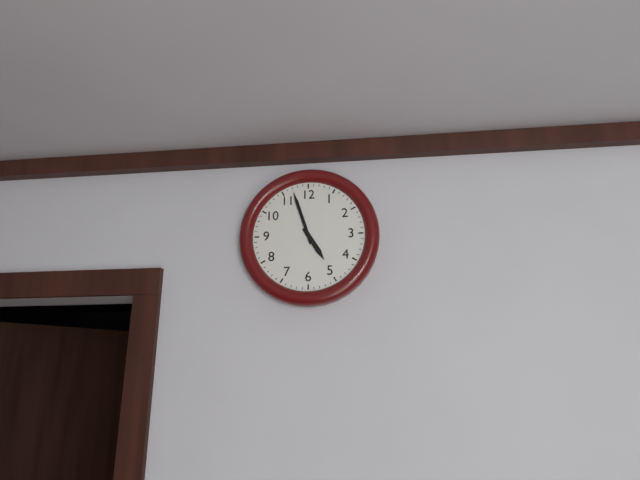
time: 4:57
